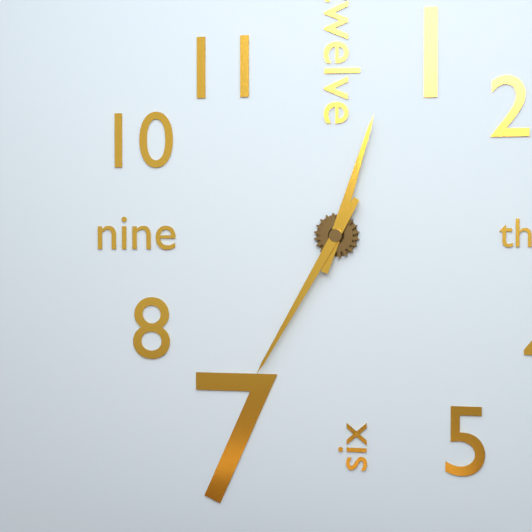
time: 12:35
